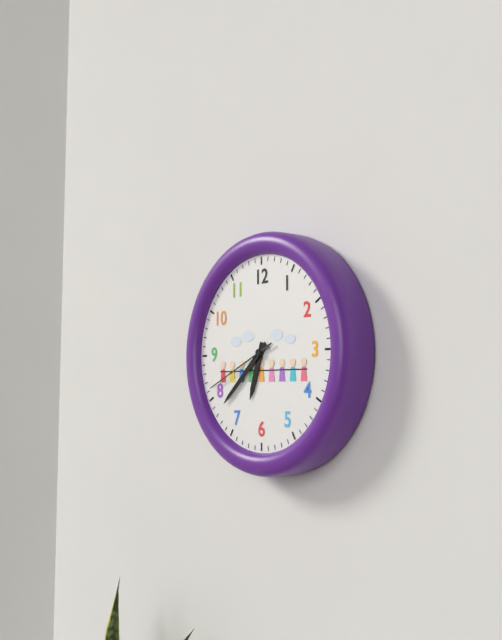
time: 6:38:41
